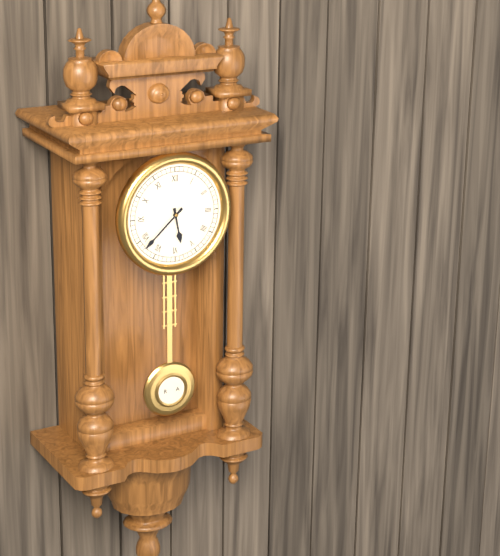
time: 5:38
